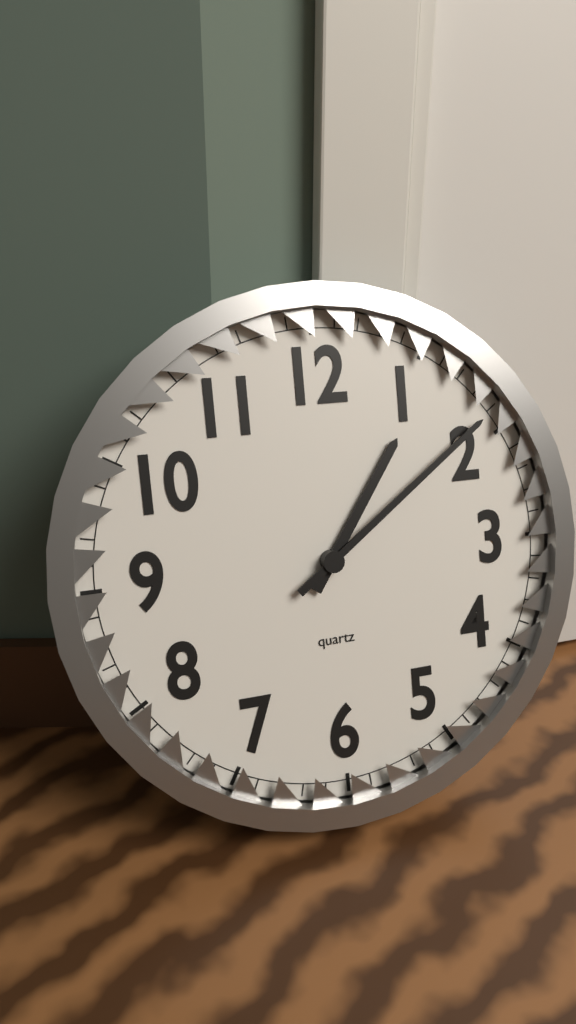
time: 1:09
